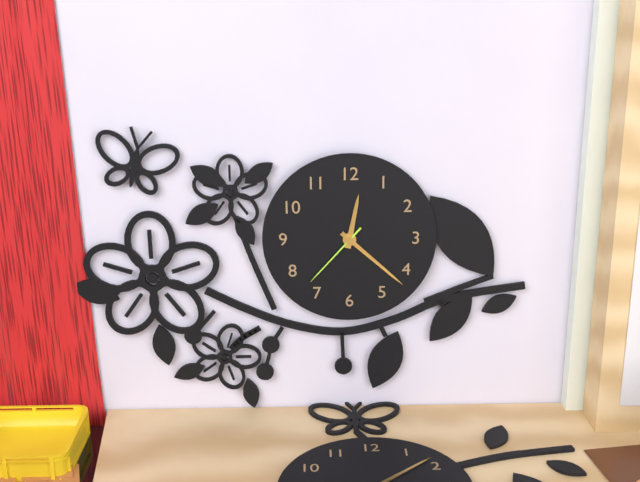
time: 12:22:37
